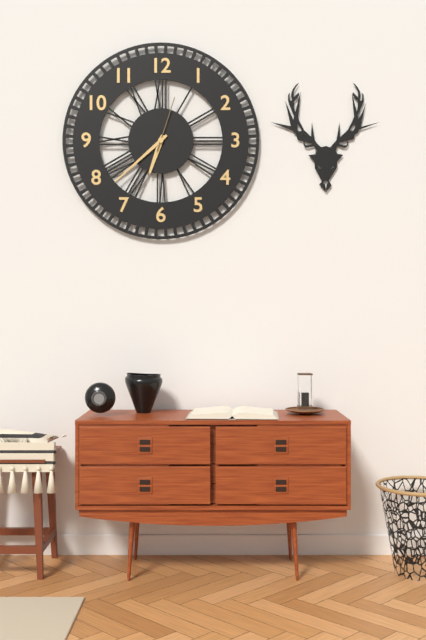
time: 6:38:03
